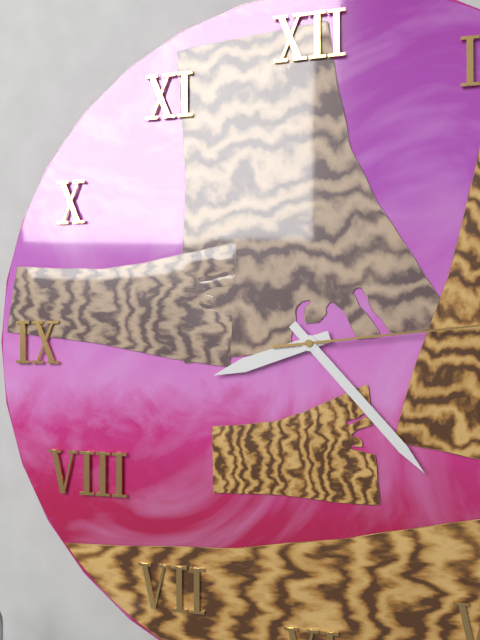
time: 8:23
